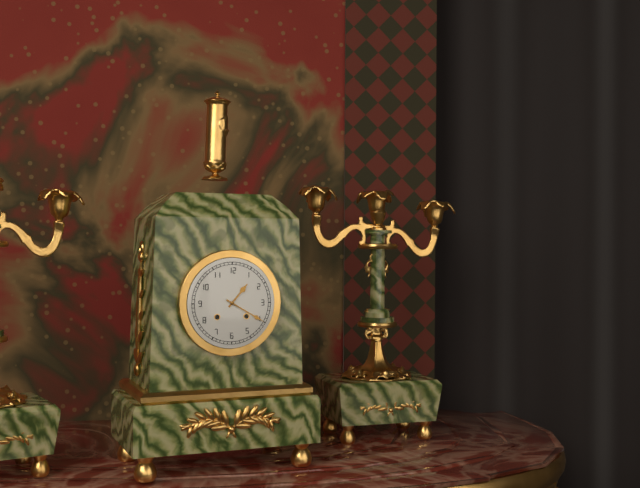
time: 1:20
